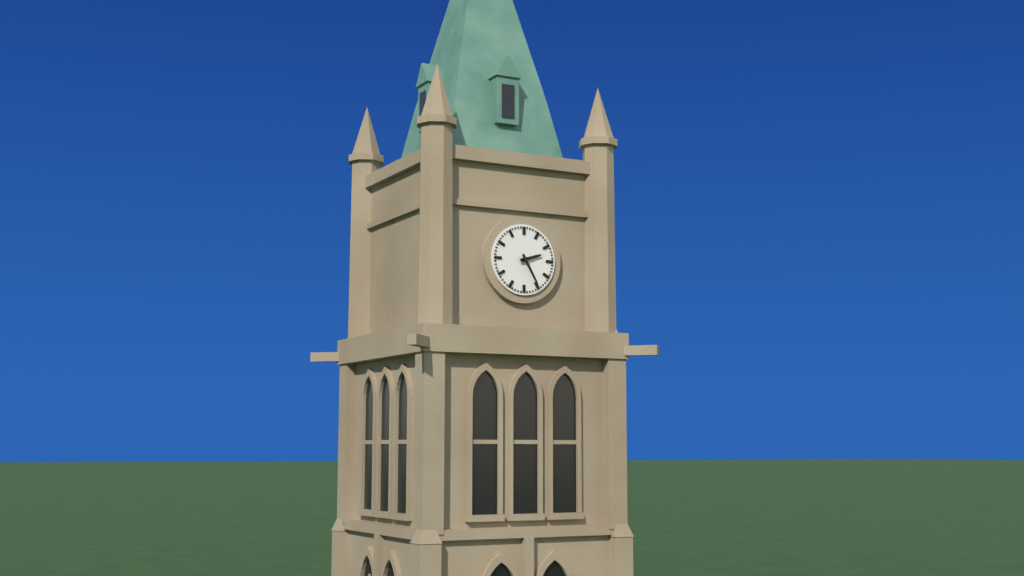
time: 2:25
